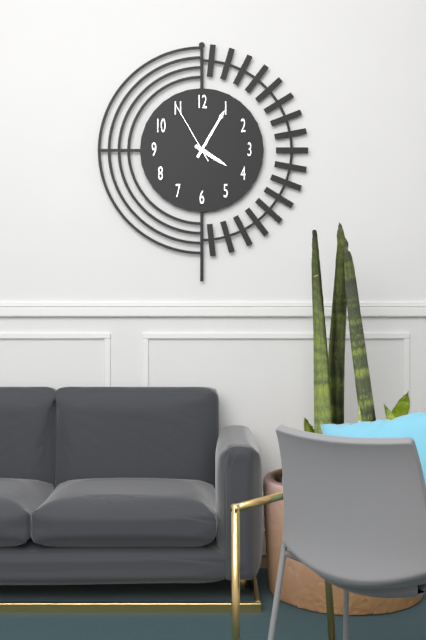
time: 4:05:55
